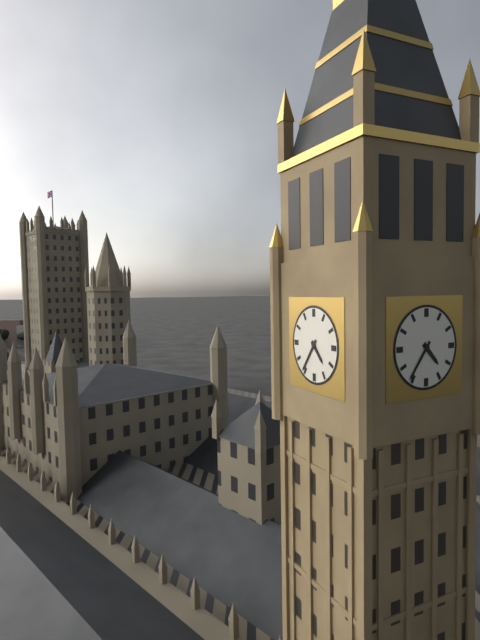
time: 4:36
